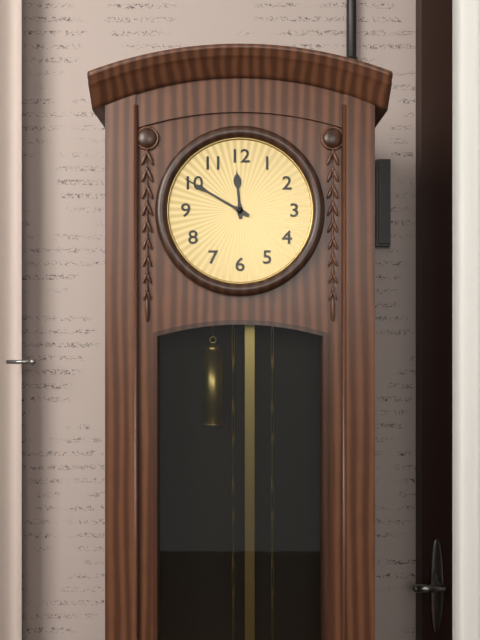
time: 11:50
